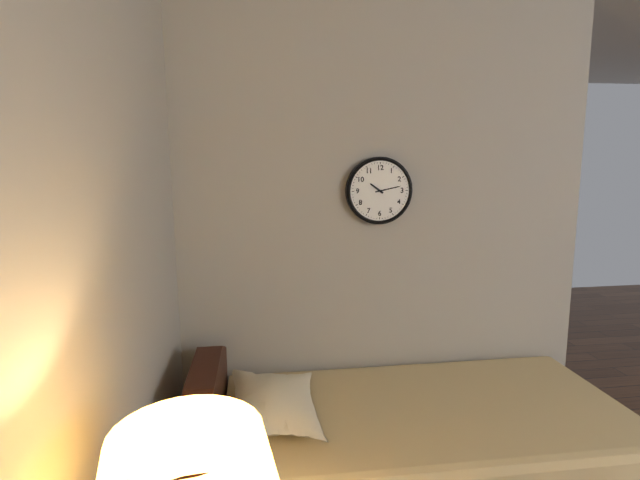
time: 10:13
